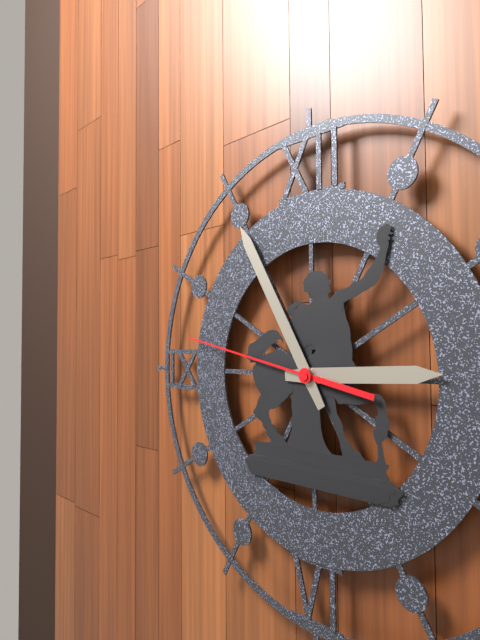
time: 2:55:47
